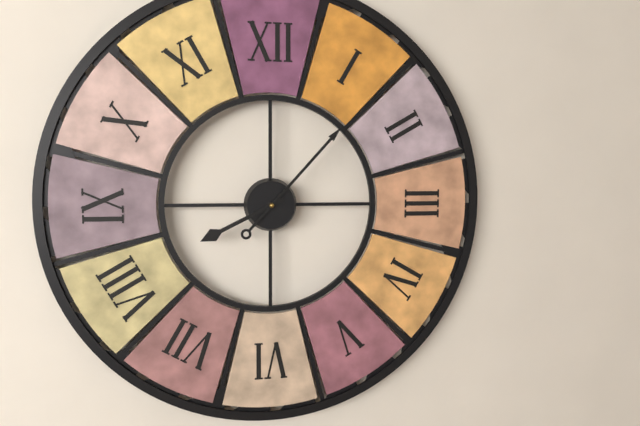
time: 8:07
